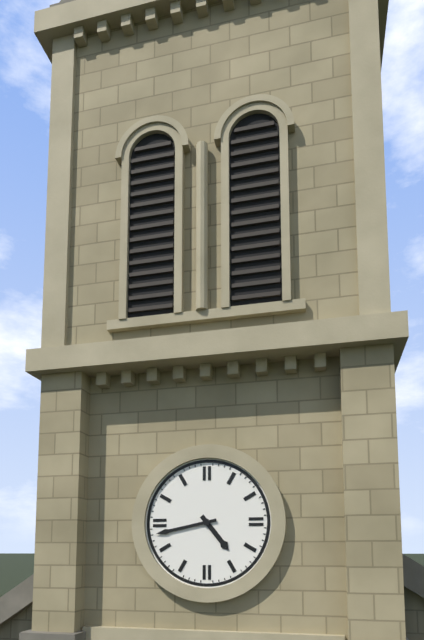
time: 4:43
